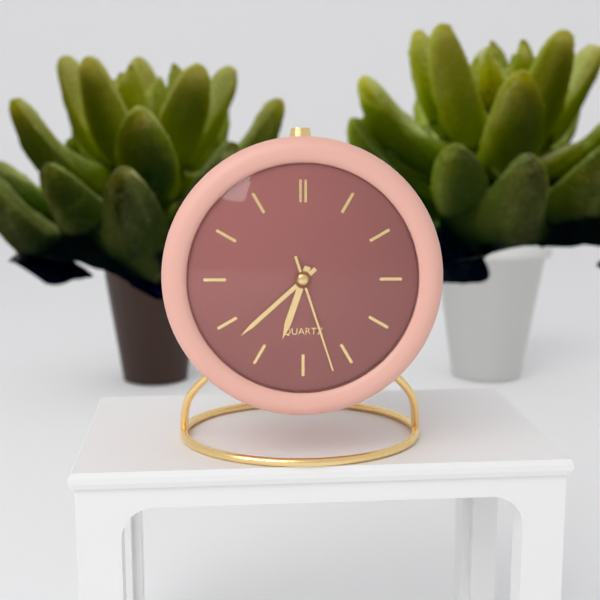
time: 6:38:27
